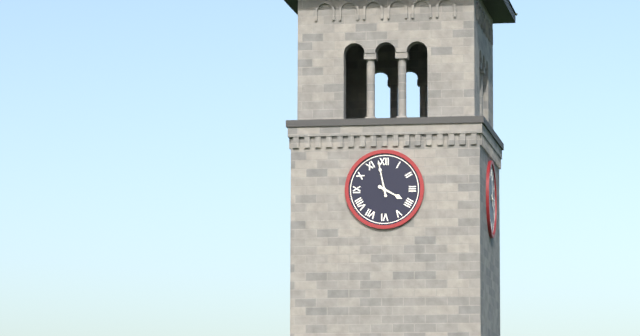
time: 3:58
